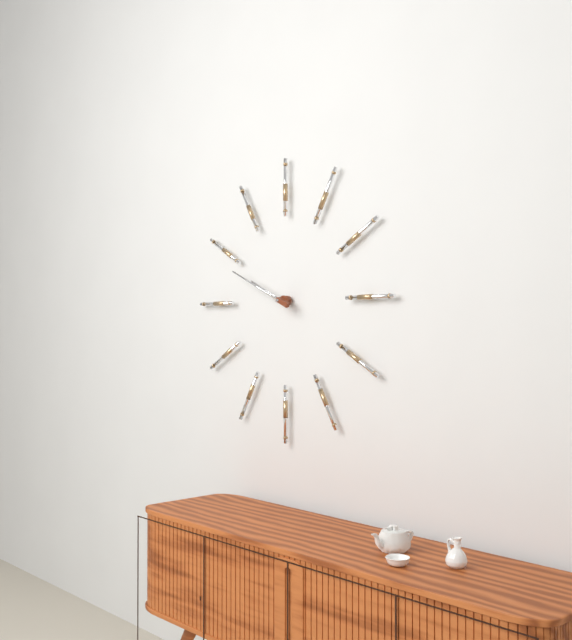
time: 9:49
